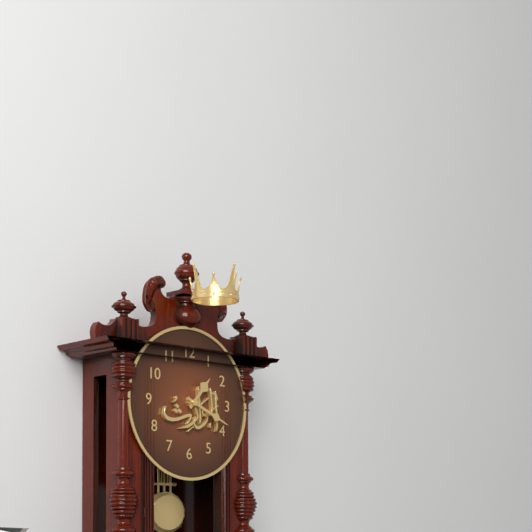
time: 1:19
